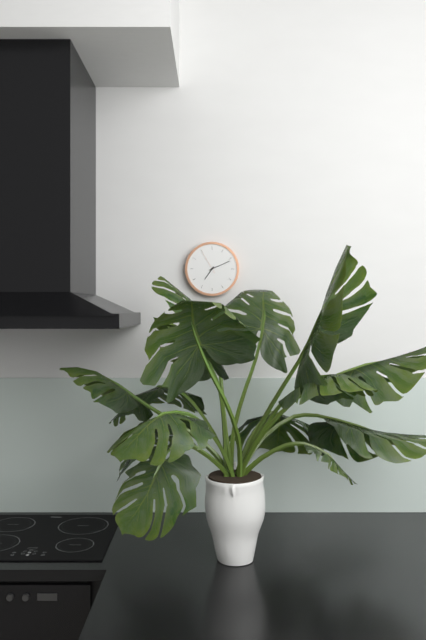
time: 7:11
